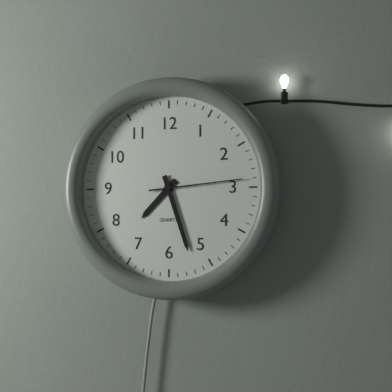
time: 7:27:14
